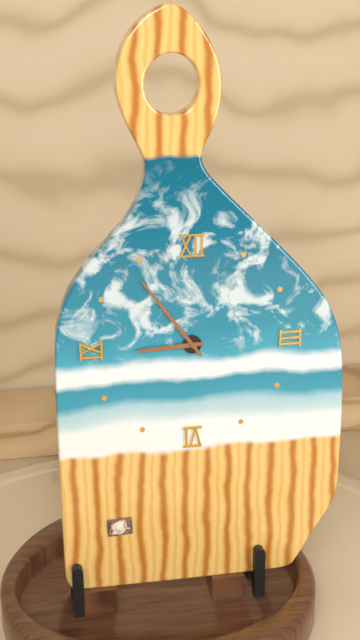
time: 8:54
